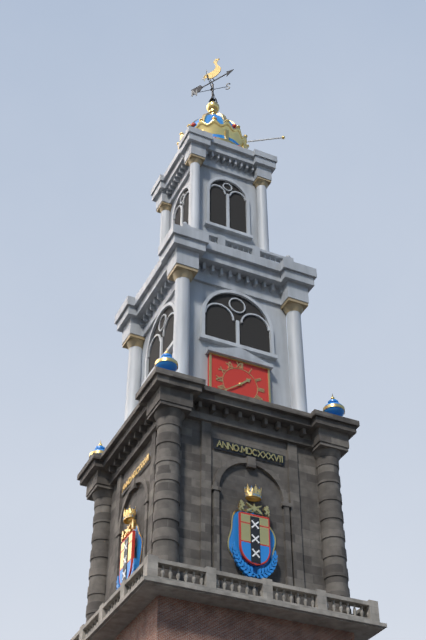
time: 1:39
